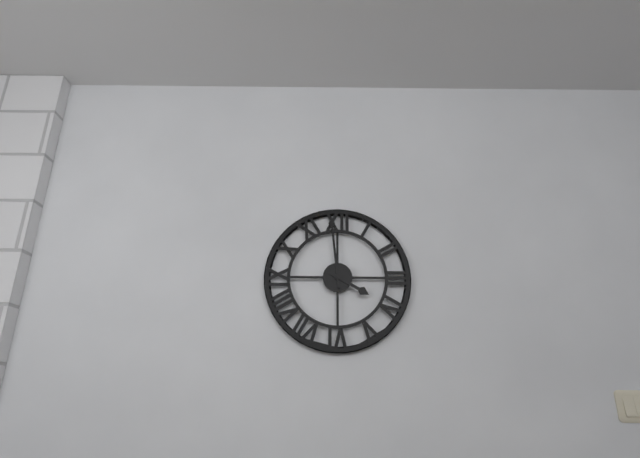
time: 3:59
